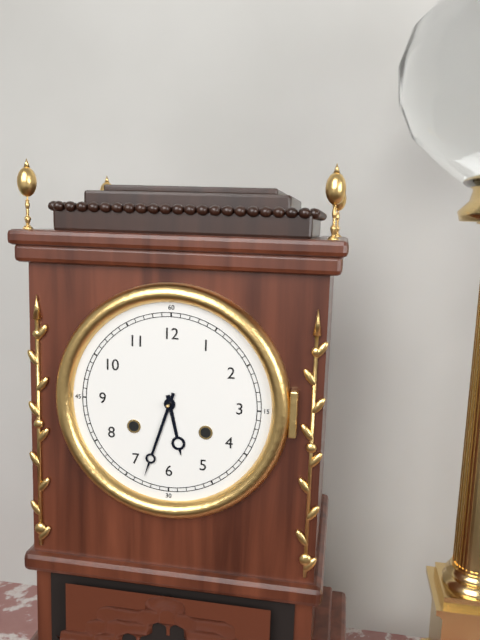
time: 5:33
